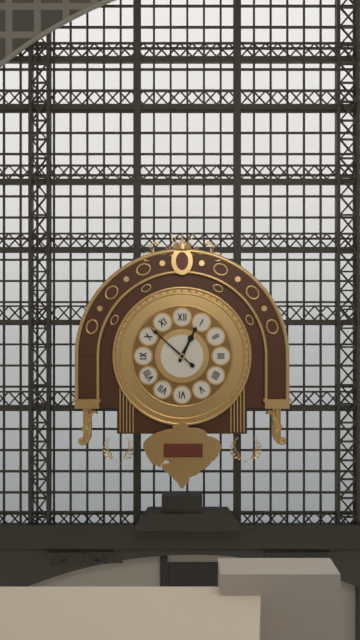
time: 12:52
